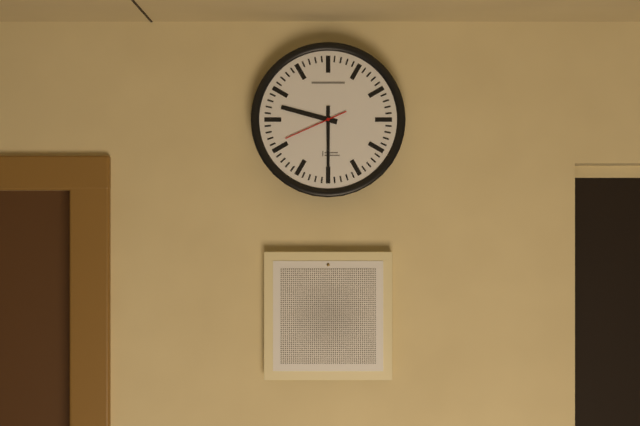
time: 9:30:41
